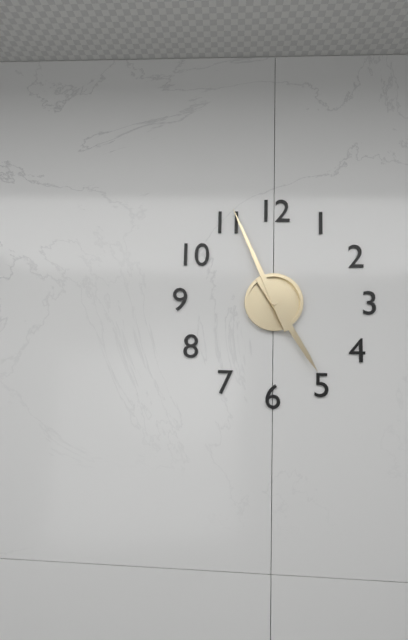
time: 4:56
